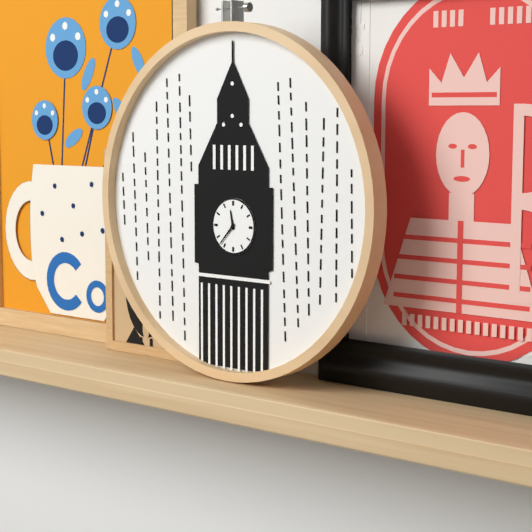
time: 11:37
